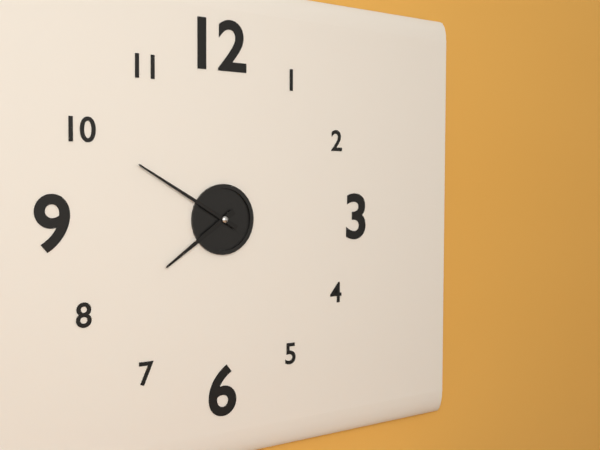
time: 7:50
